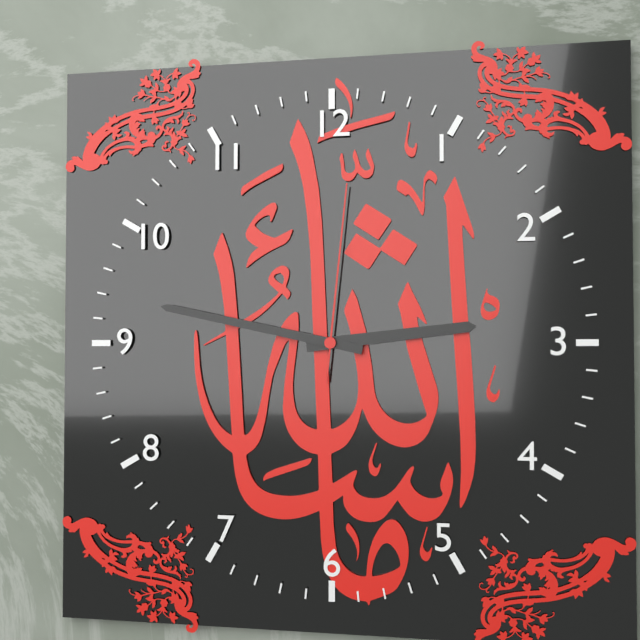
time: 2:47:01
